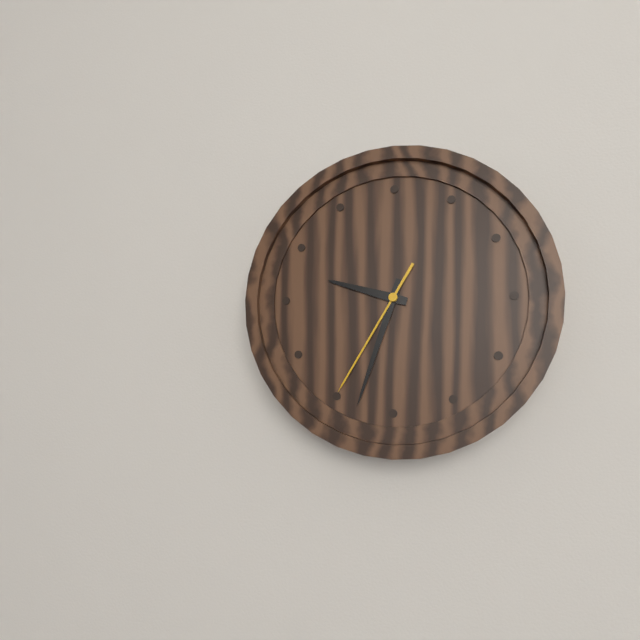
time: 9:33:35
